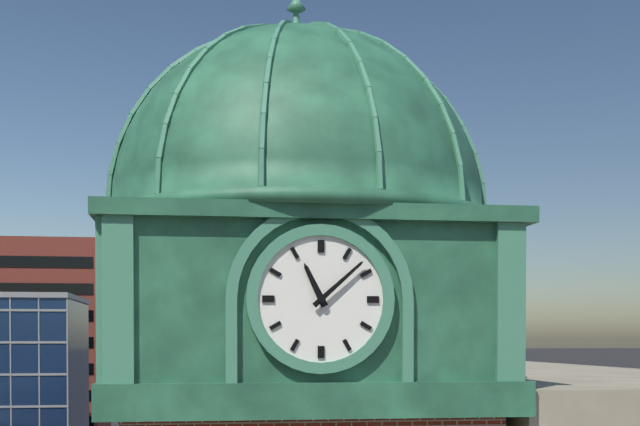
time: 11:08
